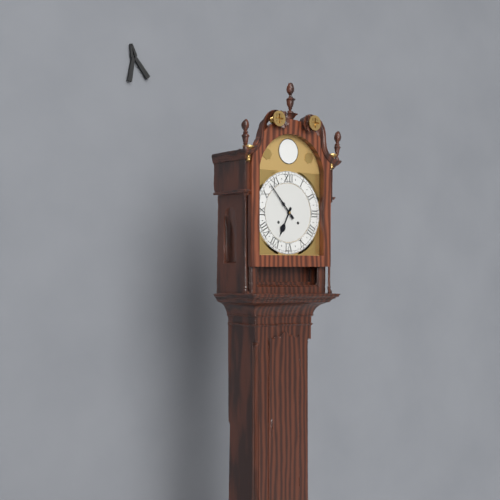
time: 6:53
